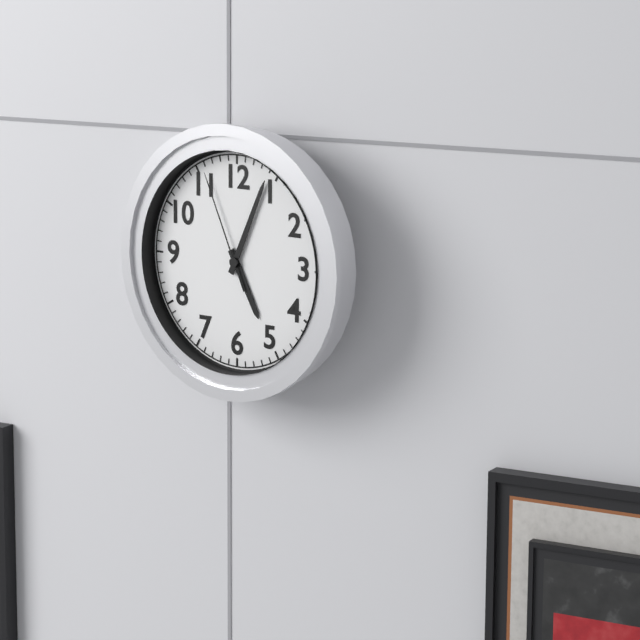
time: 5:04:56
